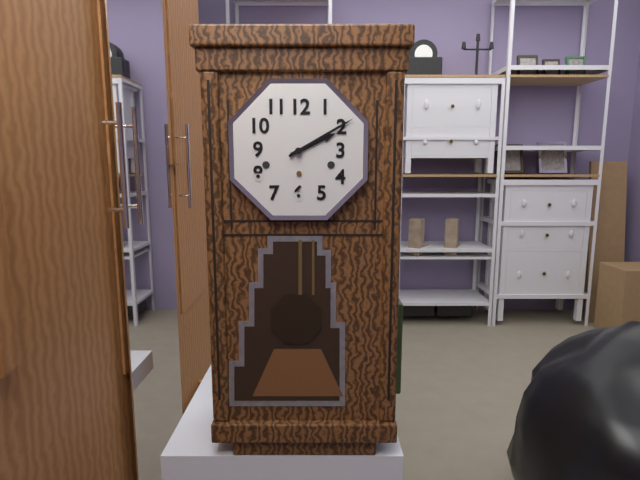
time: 2:10
